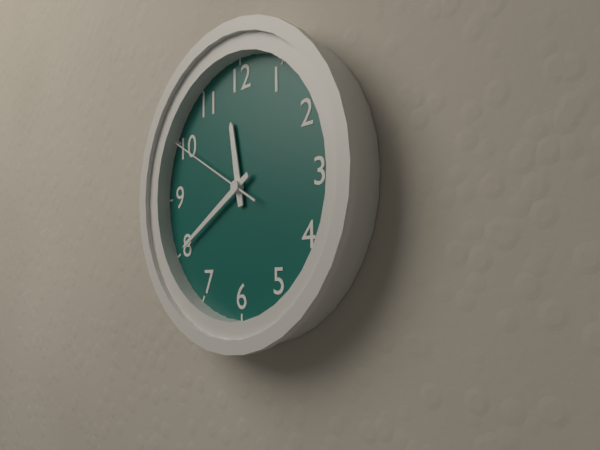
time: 11:40:50
